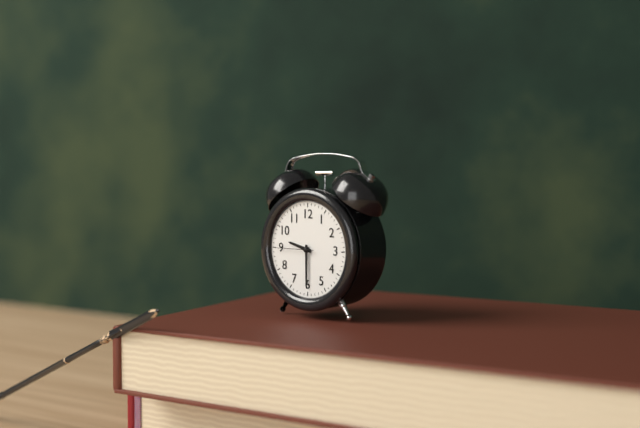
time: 9:30
